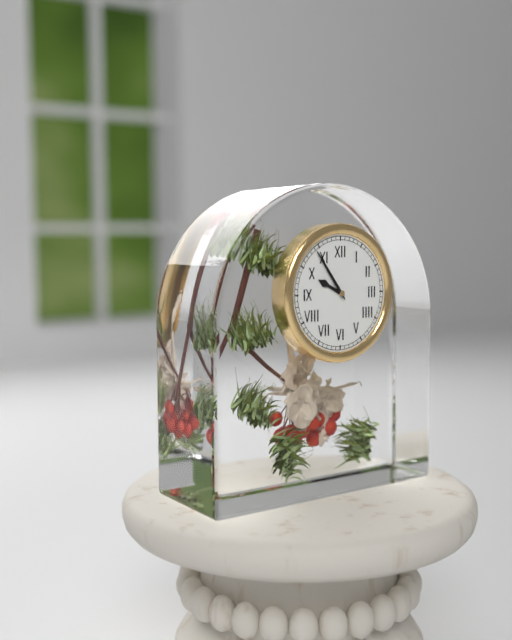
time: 9:54
